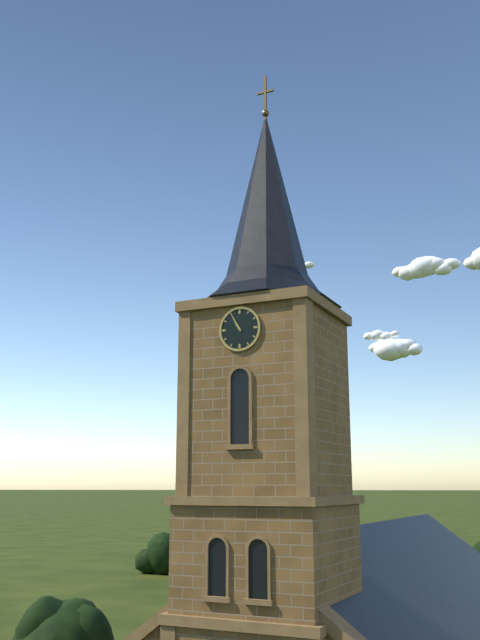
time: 10:55
